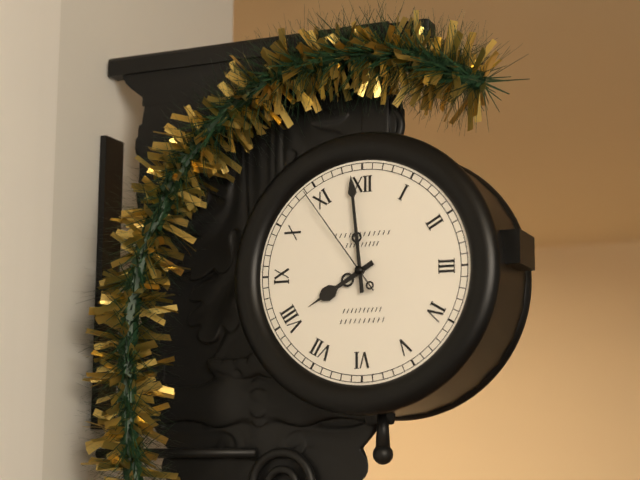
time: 7:59:54
